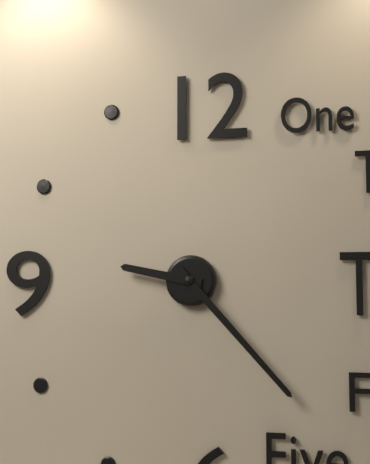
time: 9:23
